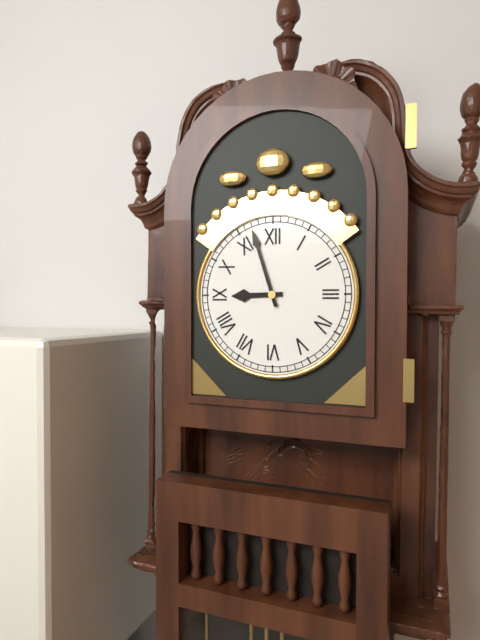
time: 8:57
